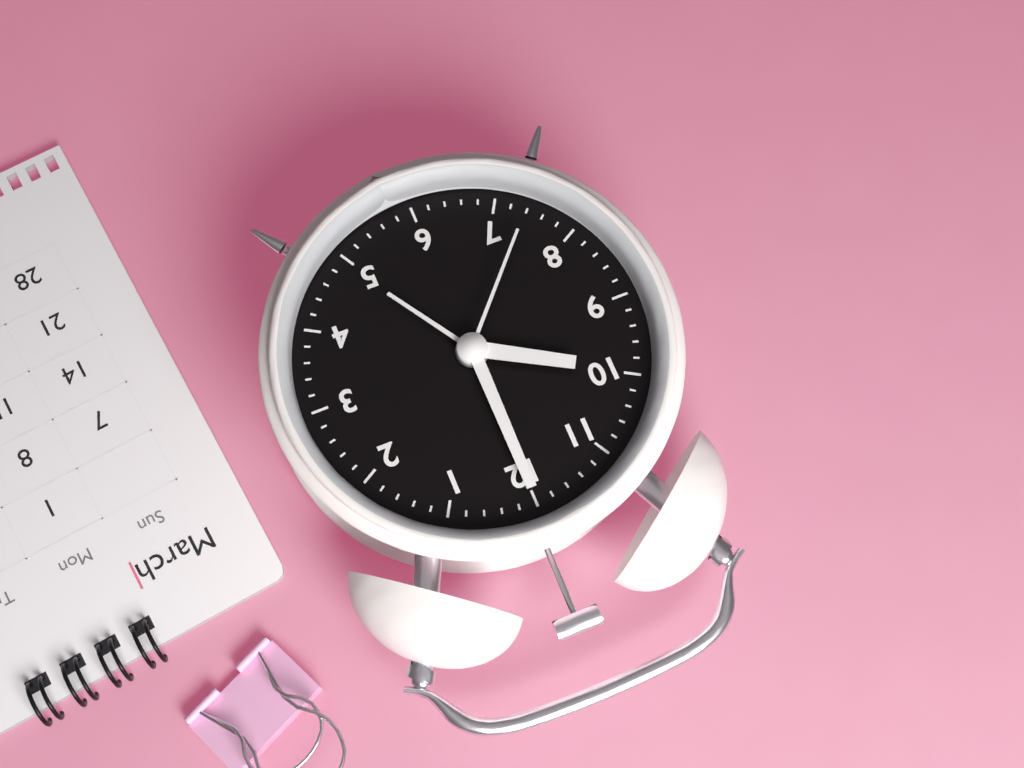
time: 10:00:37
